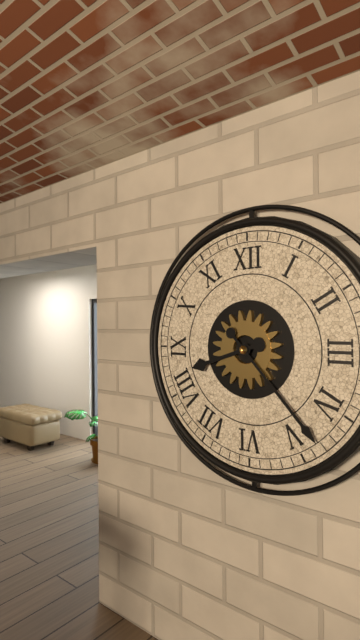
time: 8:23
